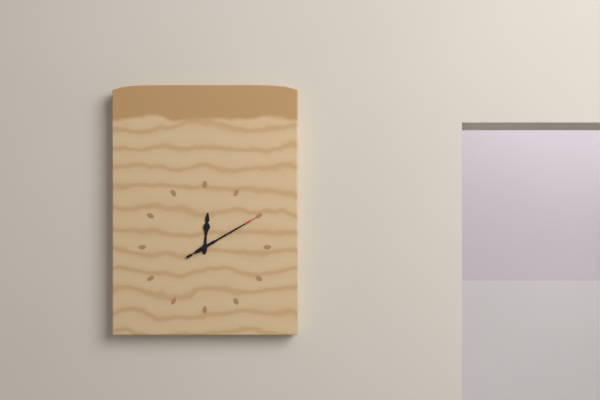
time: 12:10:10
